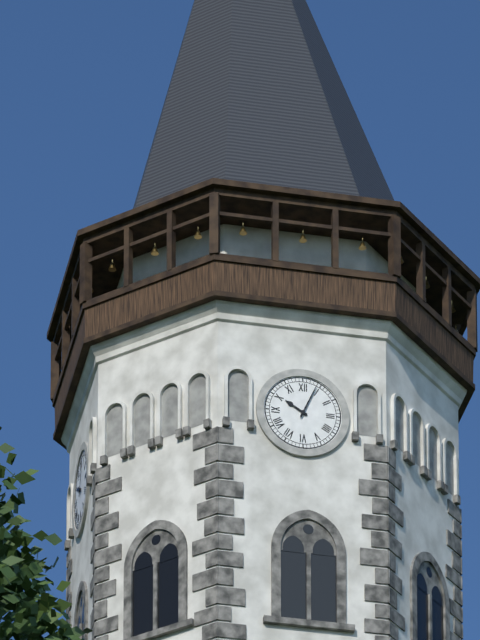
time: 10:04
